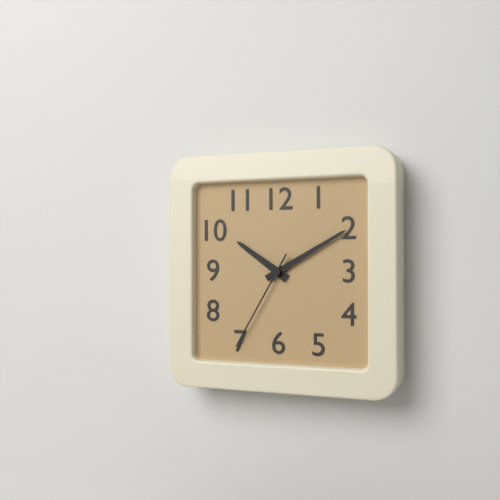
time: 10:10:35
